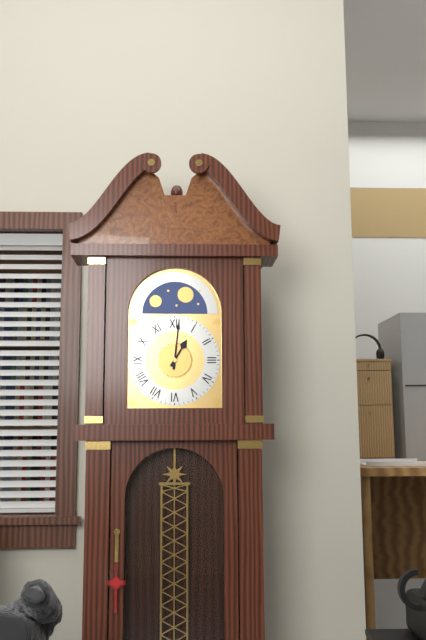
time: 1:01
